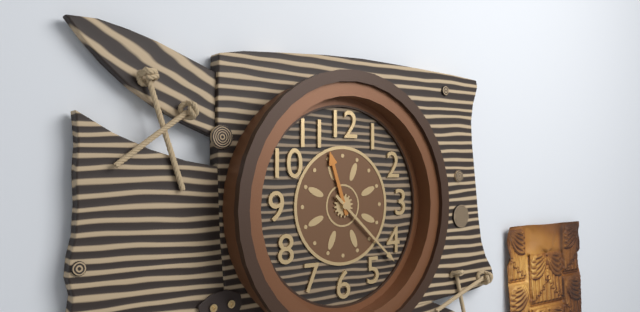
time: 11:22
